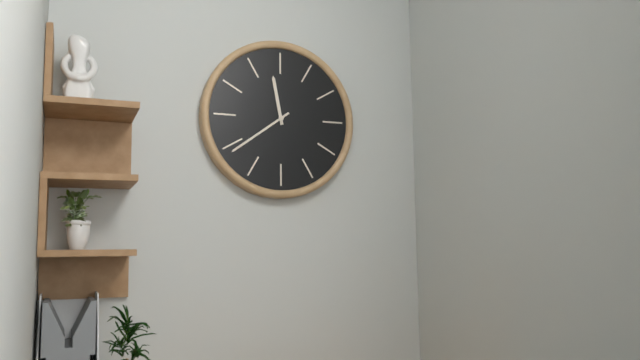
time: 11:39
